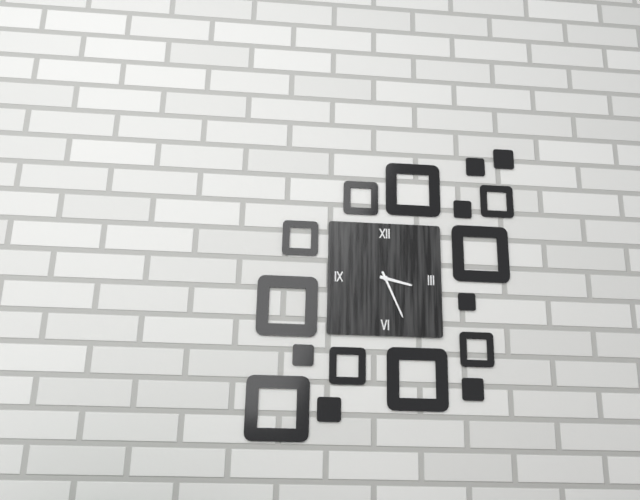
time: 3:26
